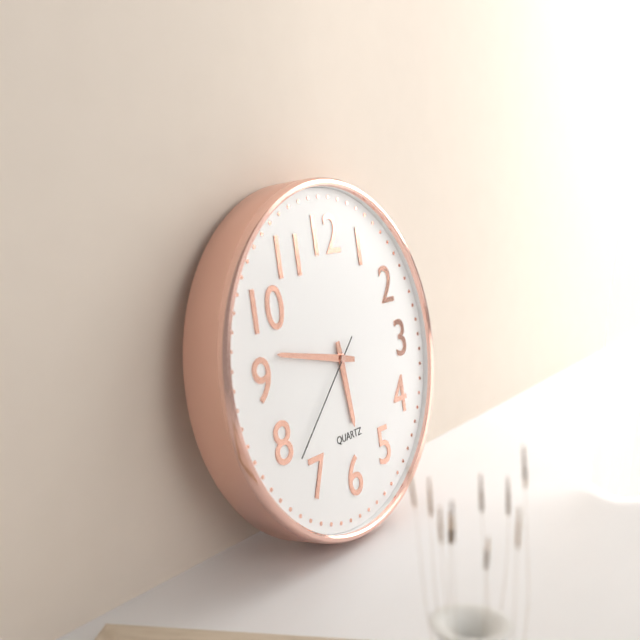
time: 5:47:38
